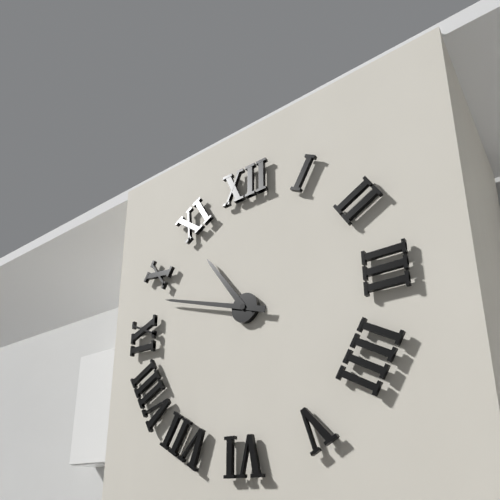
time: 10:48
